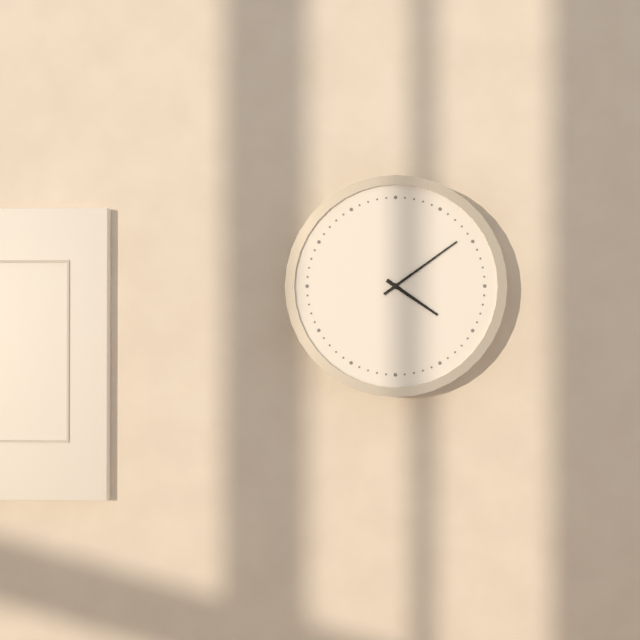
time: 4:09
